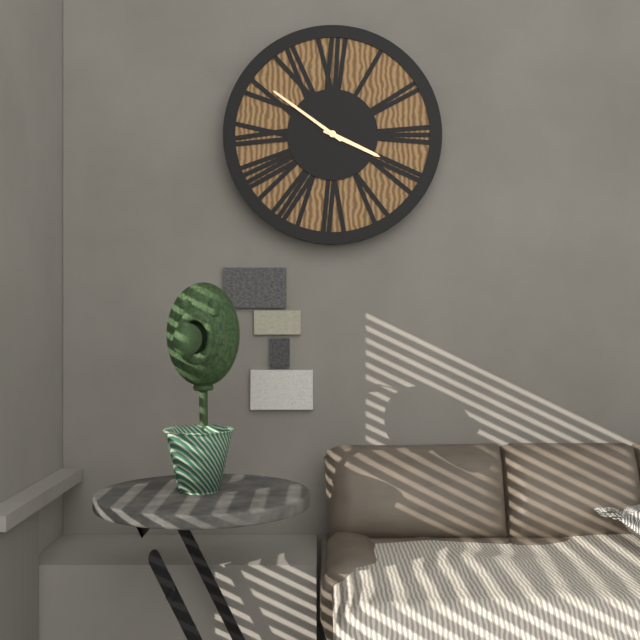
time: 3:51
